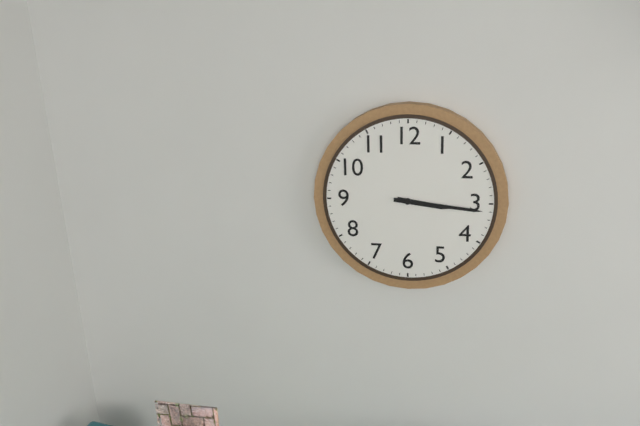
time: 3:16
